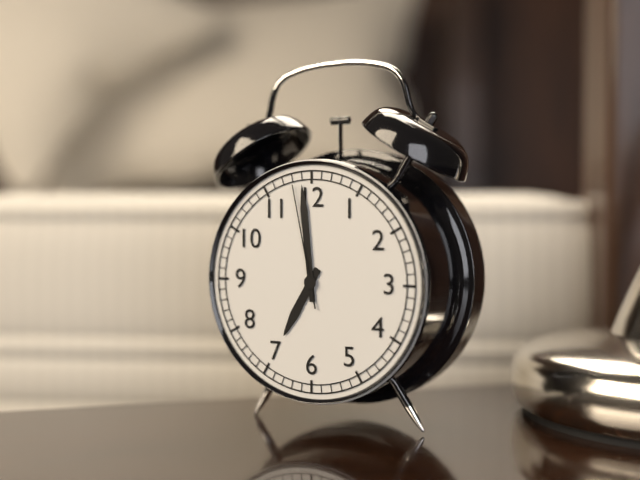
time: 6:59:58
